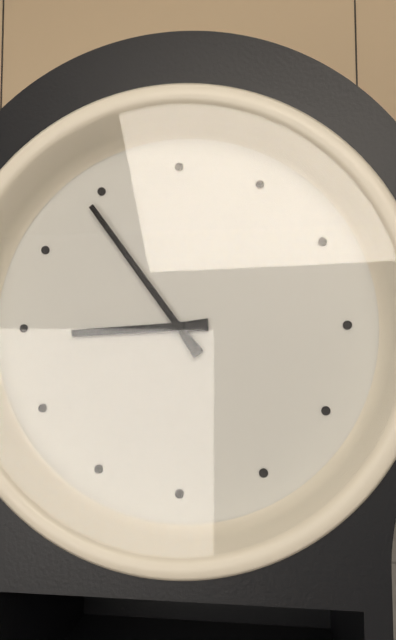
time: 8:54
